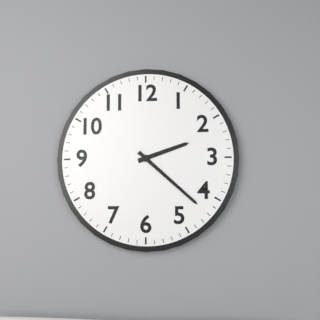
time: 2:22
